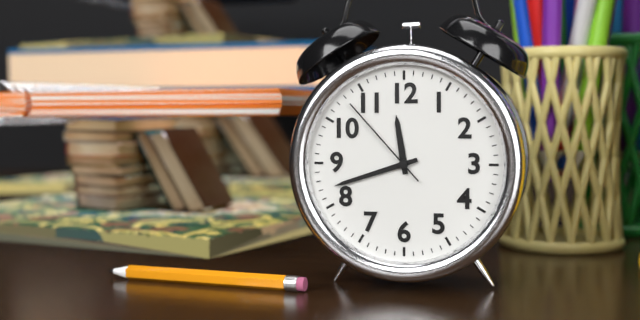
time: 11:42:53
